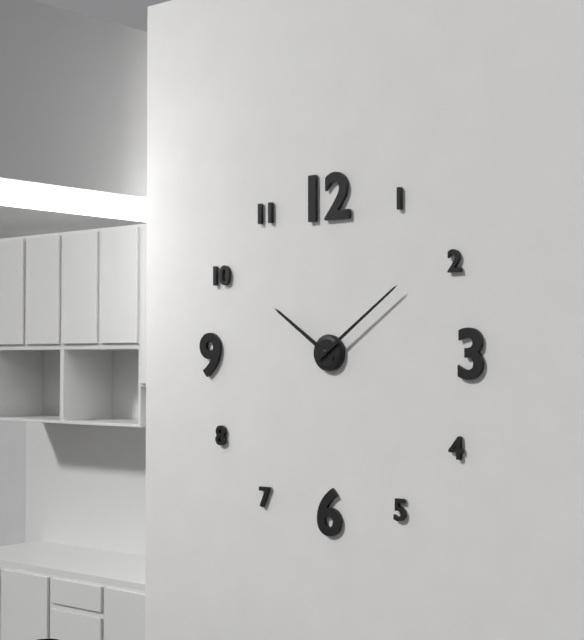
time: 10:09
